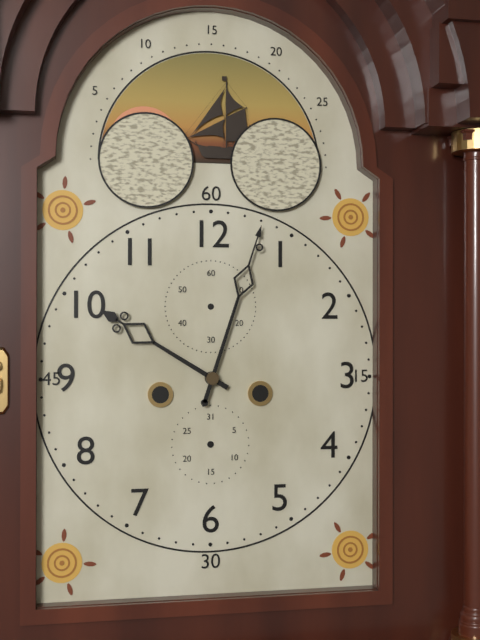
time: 10:03
